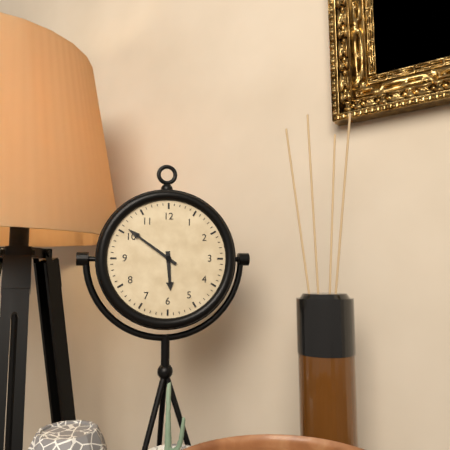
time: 5:51
